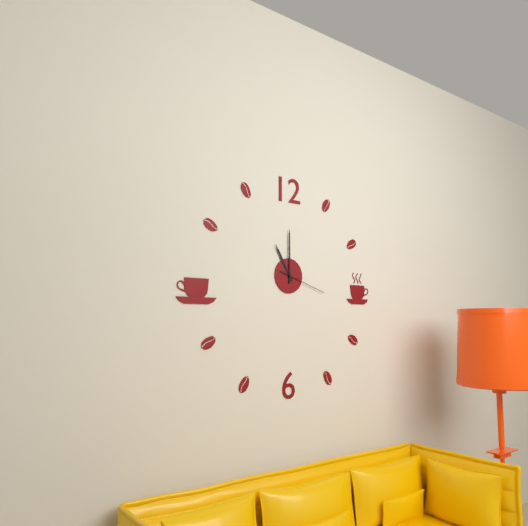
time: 11:00
